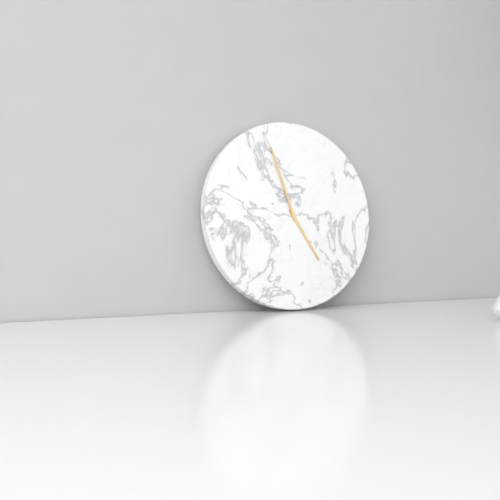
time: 4:57
